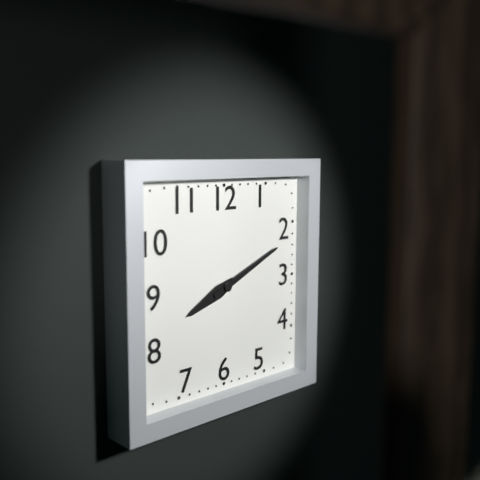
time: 8:11
